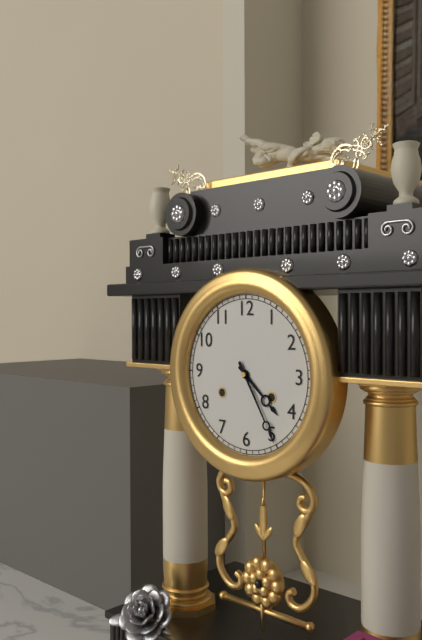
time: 4:25
